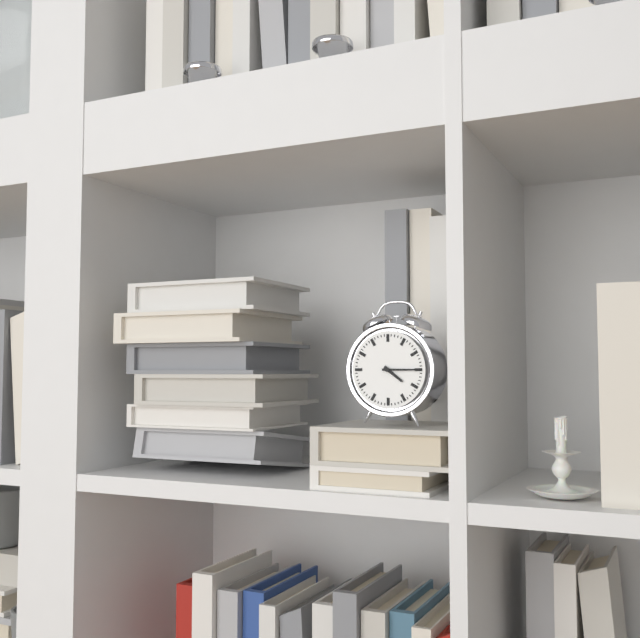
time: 4:15
